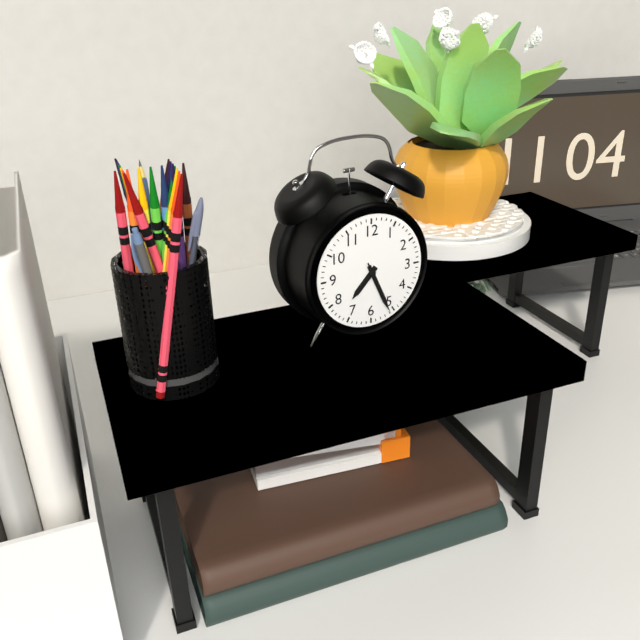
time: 7:26:26
